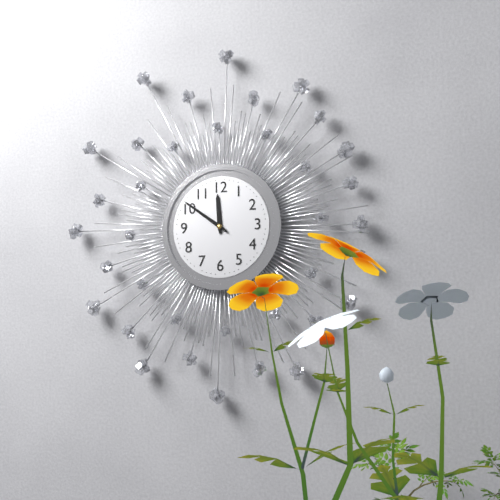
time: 11:51
